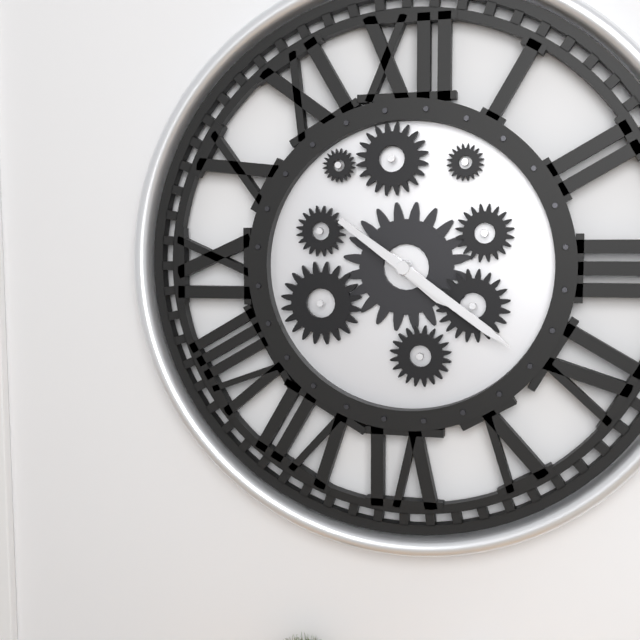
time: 4:21
